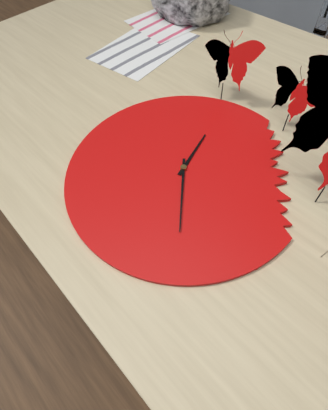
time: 11:23
